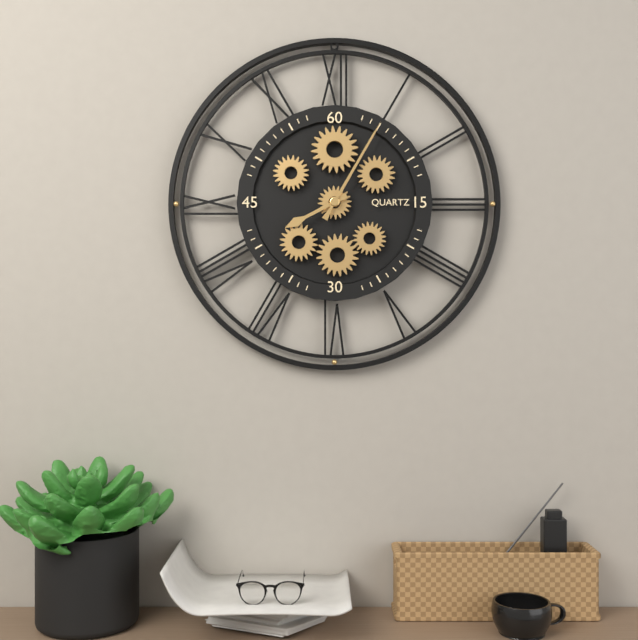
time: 8:05
